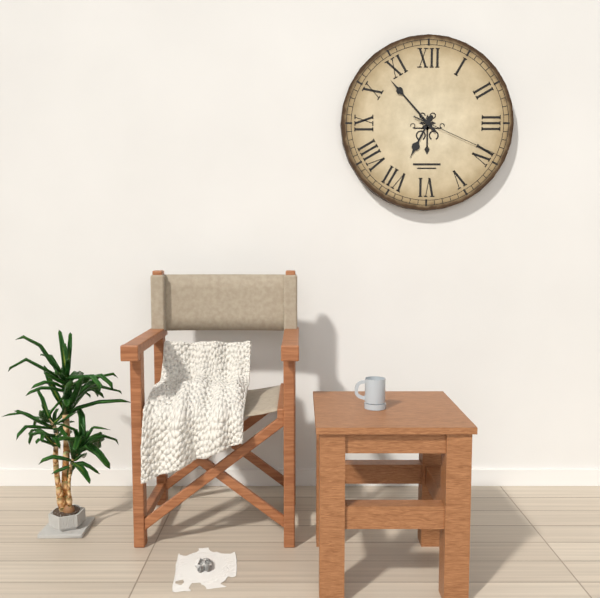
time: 6:53:19
